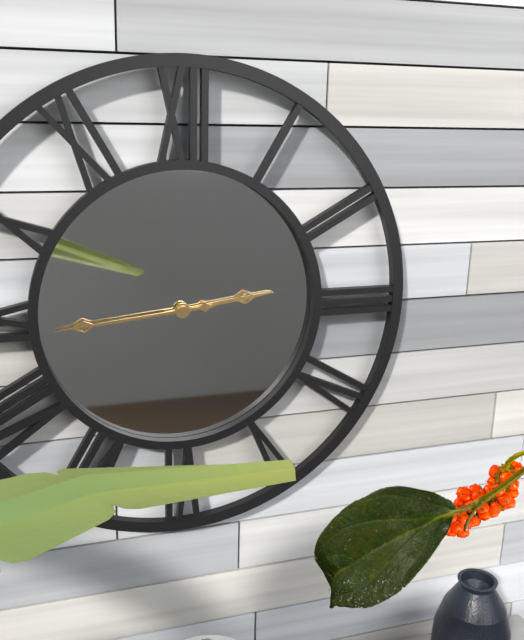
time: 2:44
